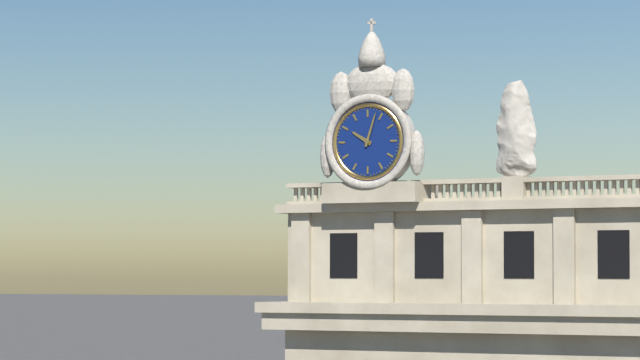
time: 10:03
